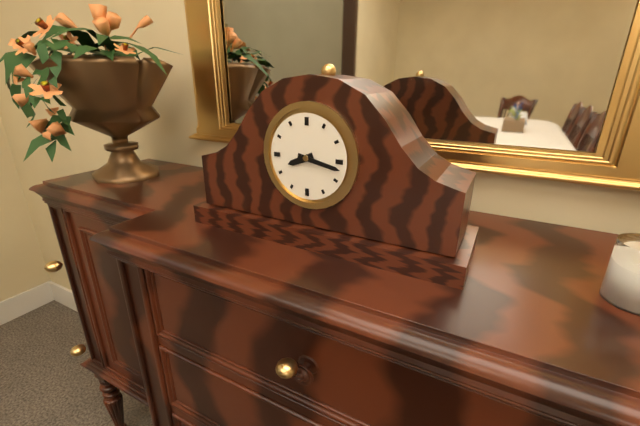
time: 8:17
